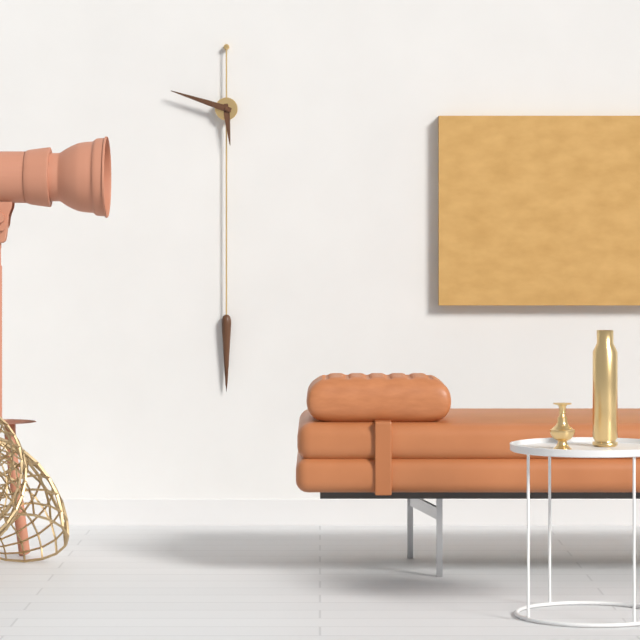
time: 5:48
